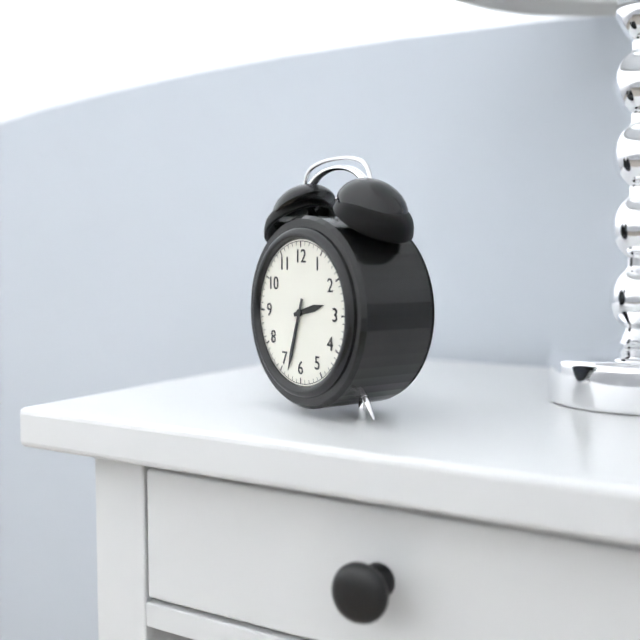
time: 2:33
